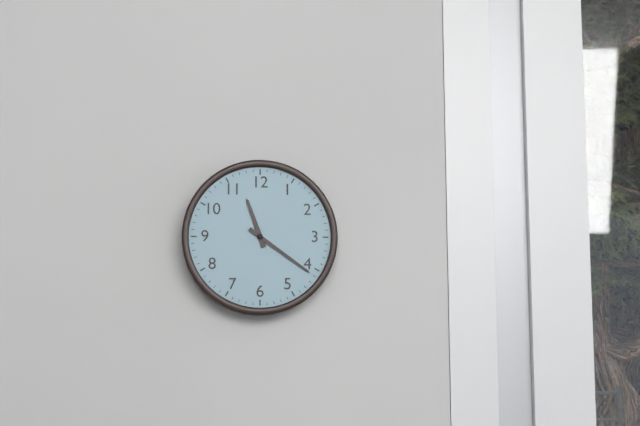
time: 11:21
